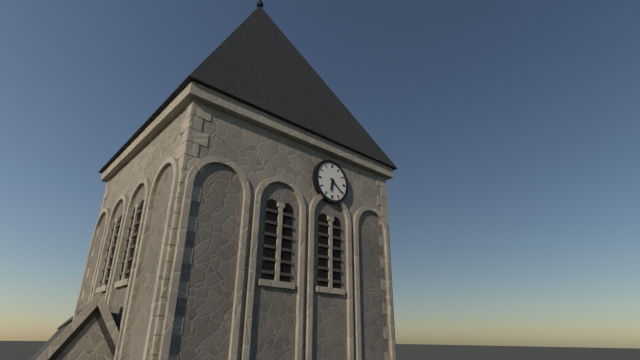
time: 6:21
